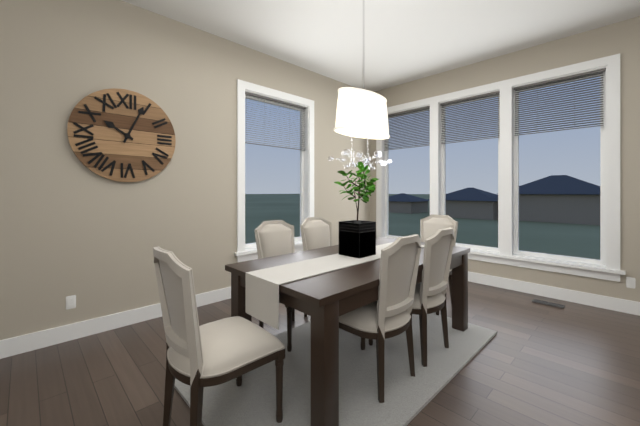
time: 10:04
